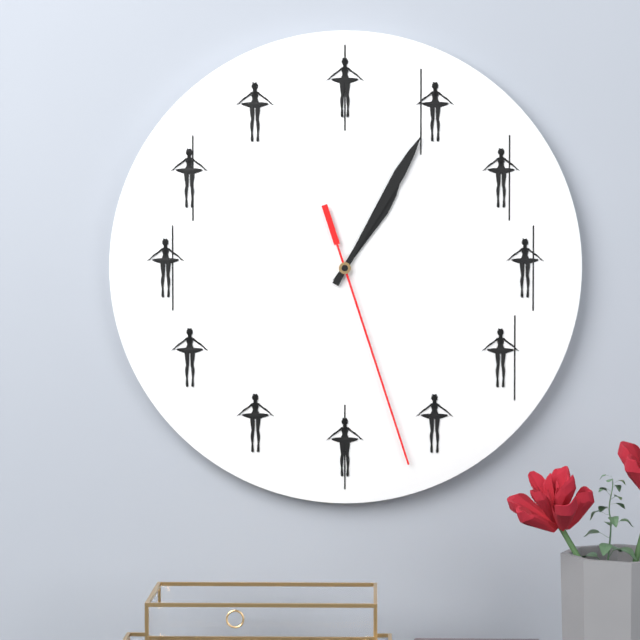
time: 1:05:27
